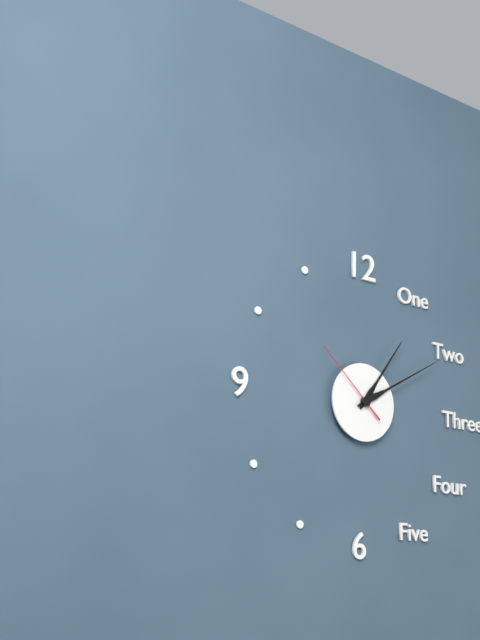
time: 1:10:52
